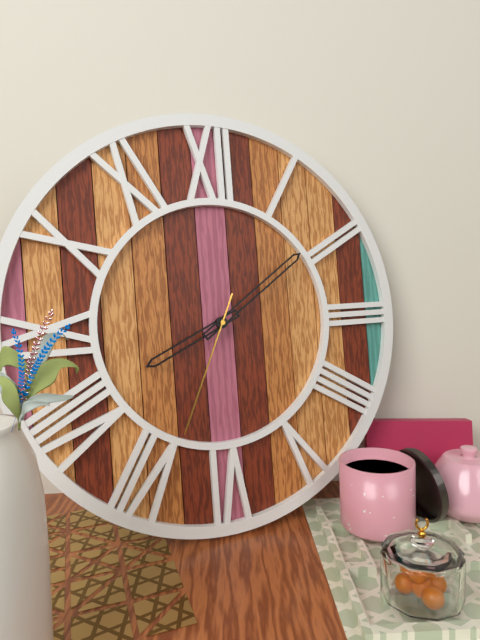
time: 8:09:34
